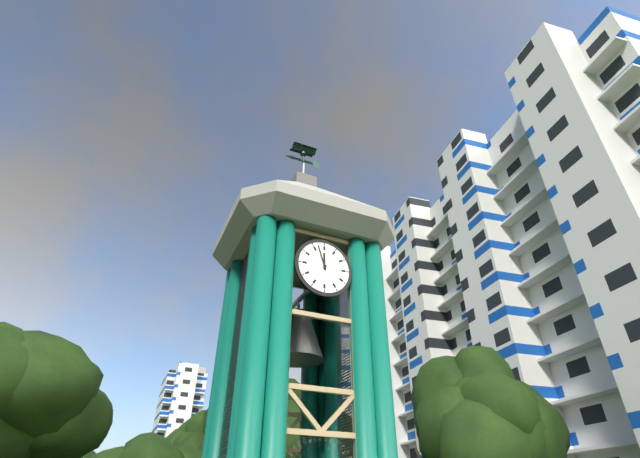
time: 11:57
